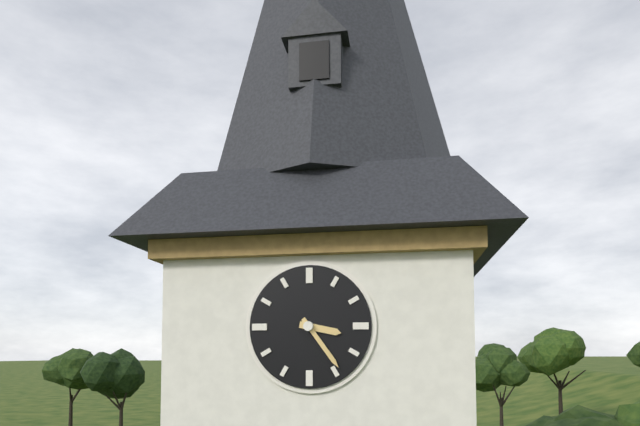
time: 3:24
